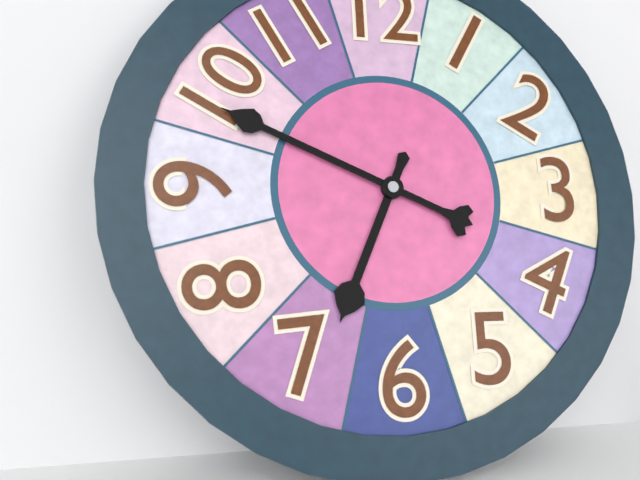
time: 6:49
